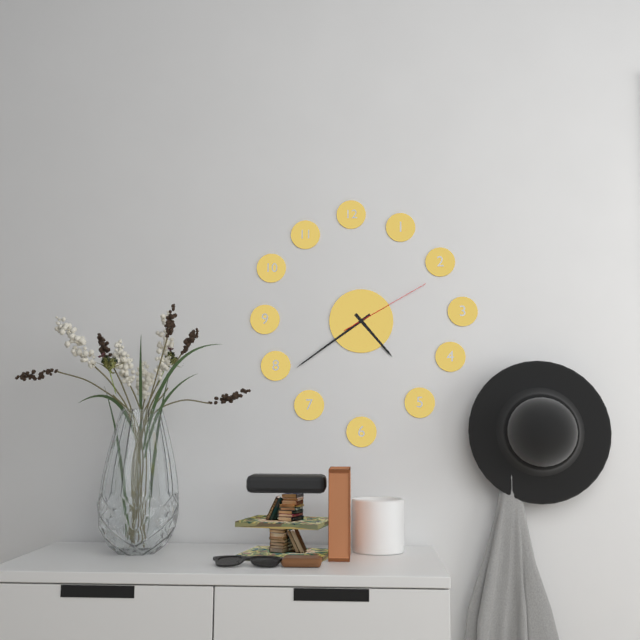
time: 4:39:10
